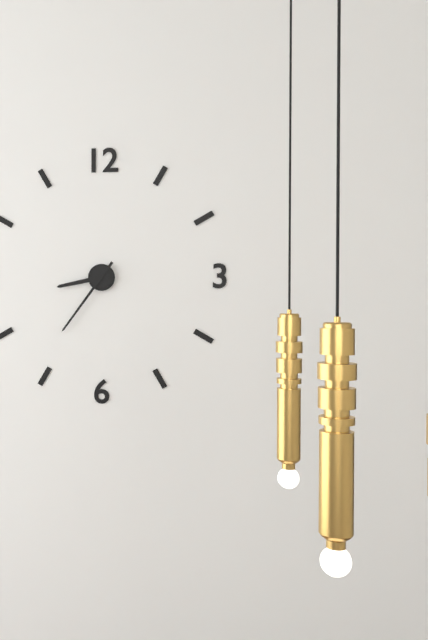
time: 8:36
